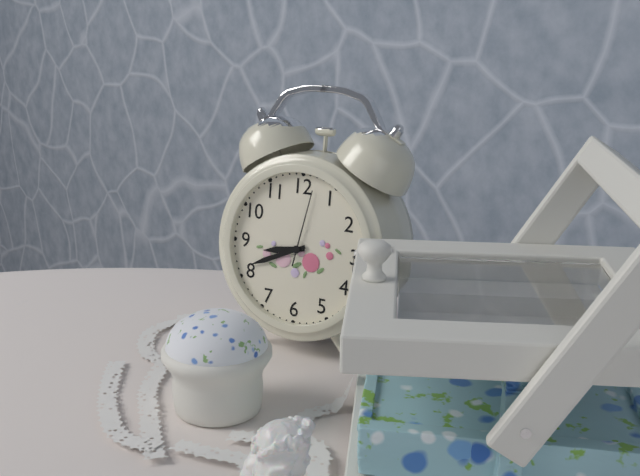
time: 8:41:02
